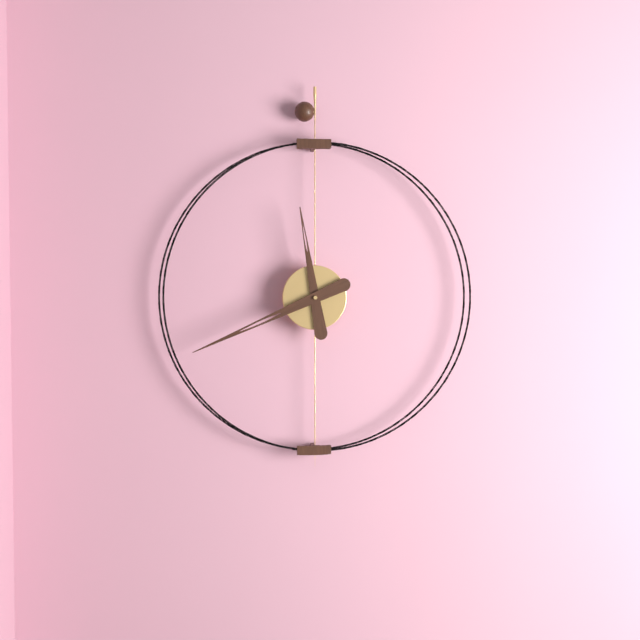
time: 11:41
